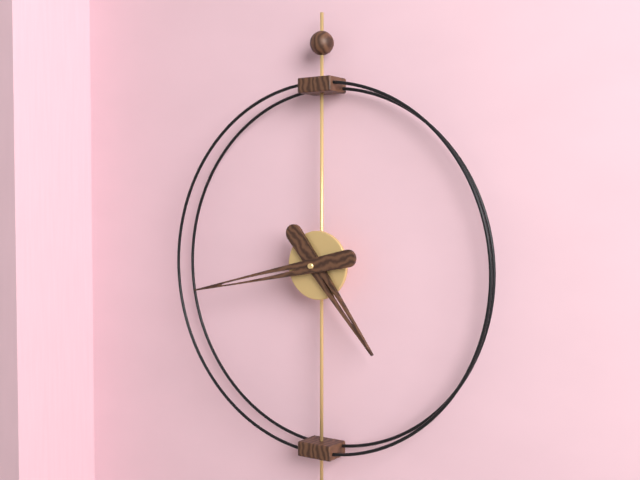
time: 4:43
